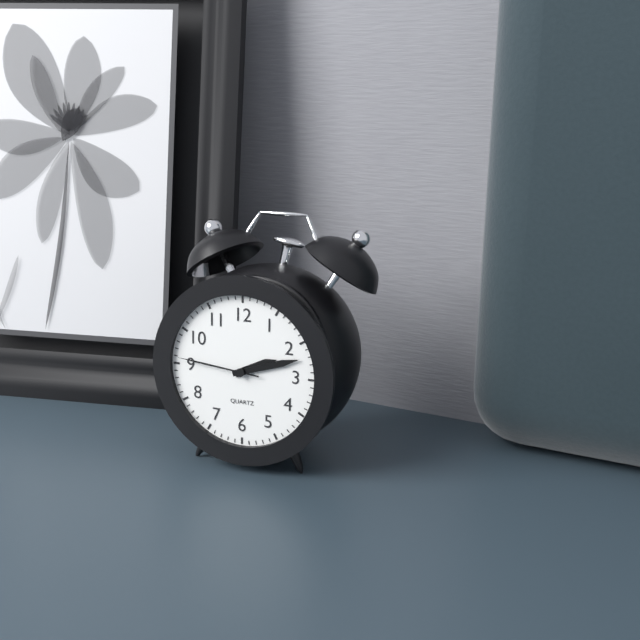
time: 2:12:46
